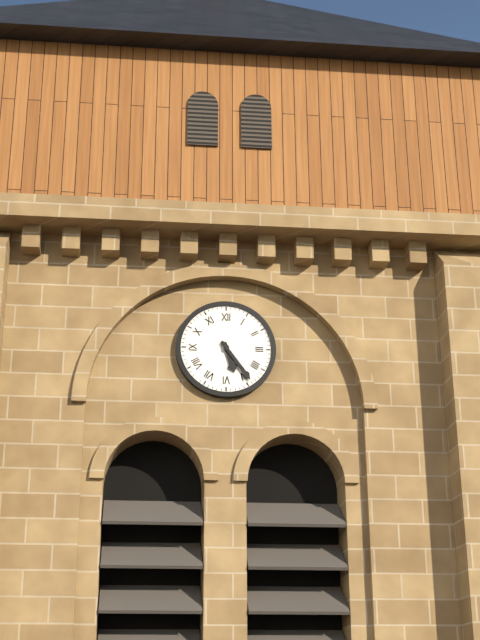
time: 5:24
